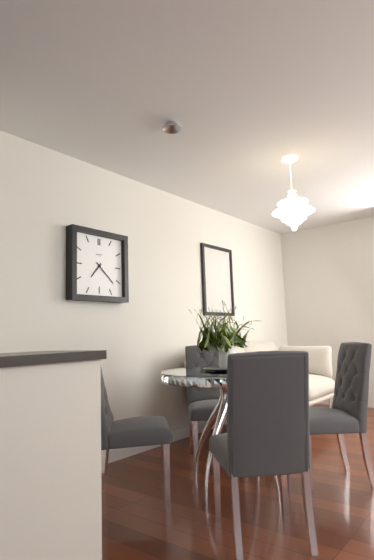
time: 7:22
